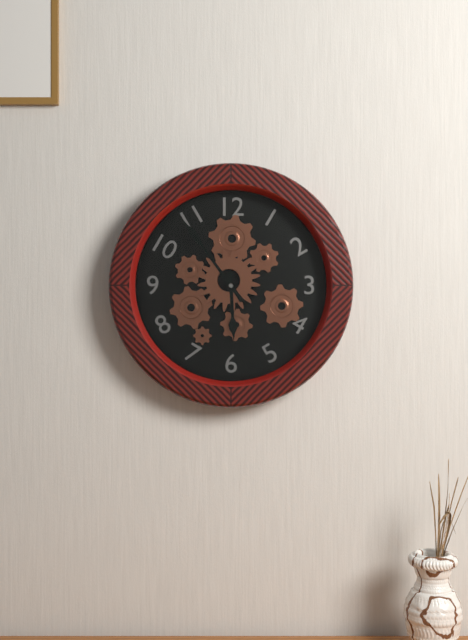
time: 5:54
